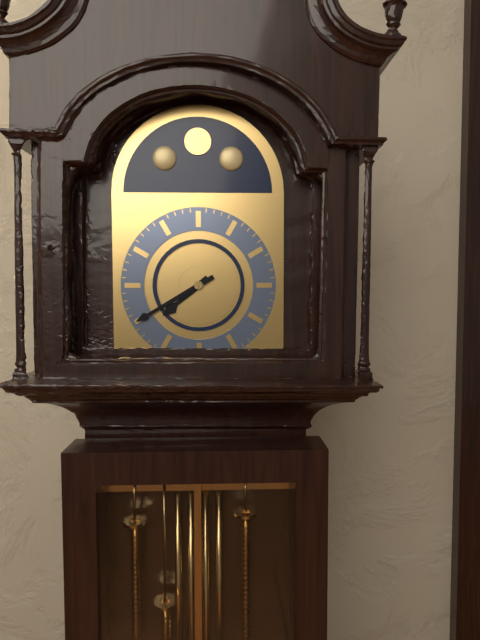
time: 7:40
